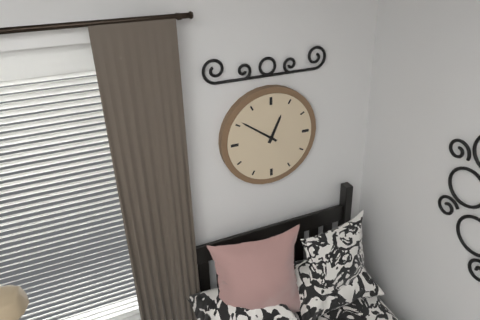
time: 12:51
